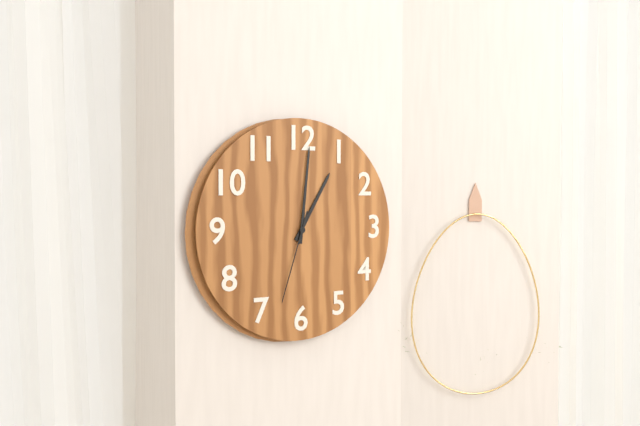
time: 1:01:33
